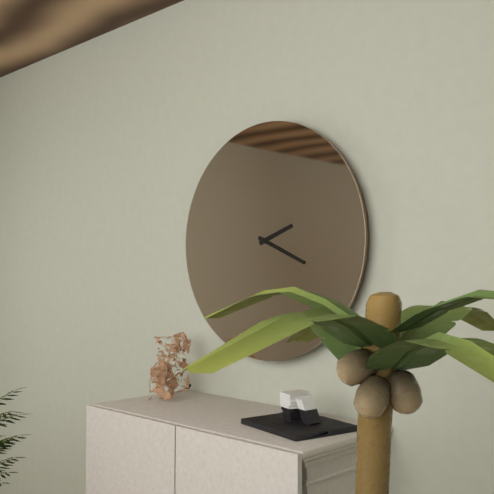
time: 2:19
